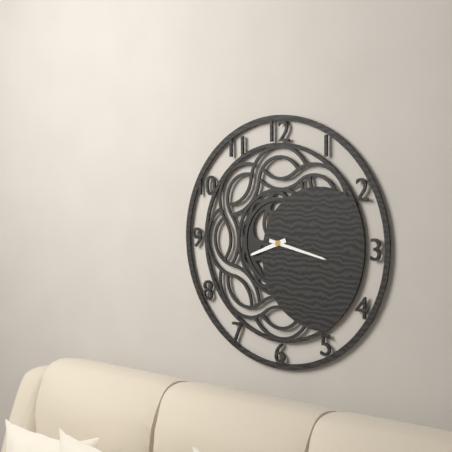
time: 8:17
